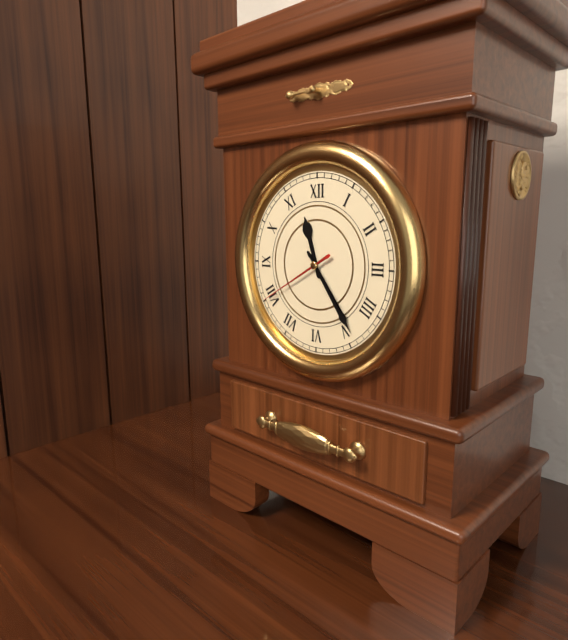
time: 11:24:40
